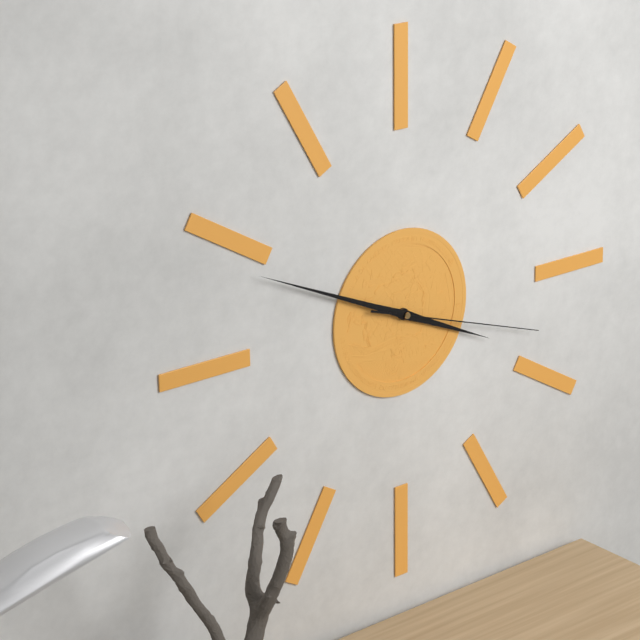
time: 3:49:18
